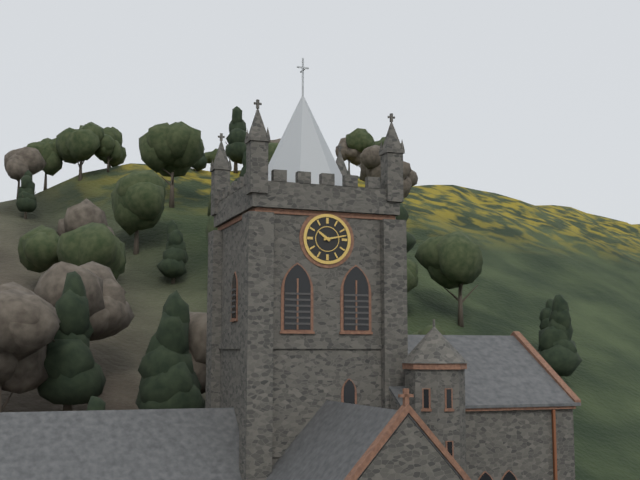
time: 10:13
